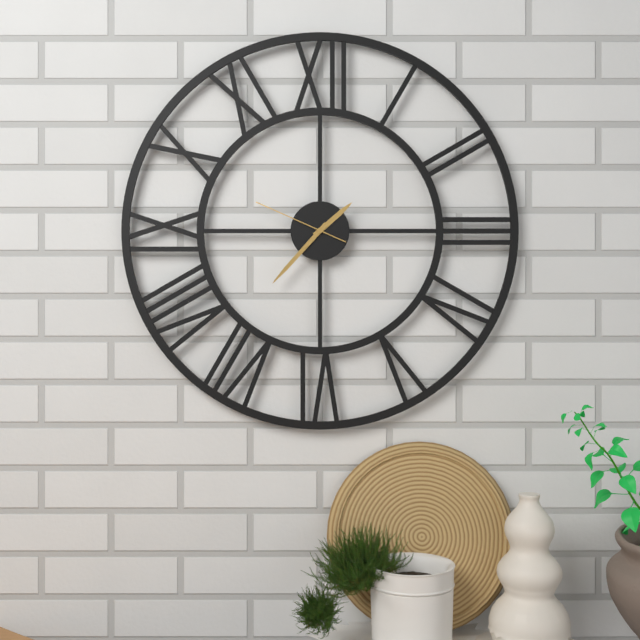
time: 1:37:49
